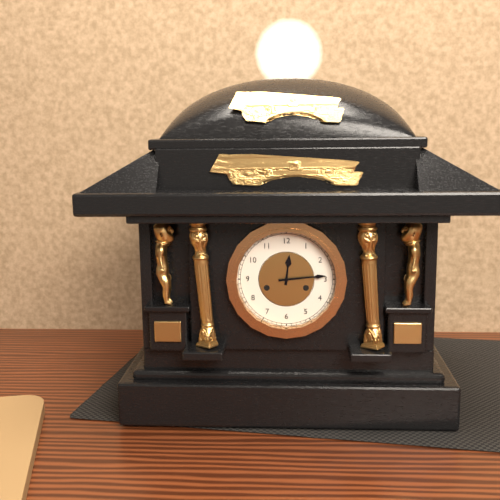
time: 12:14
